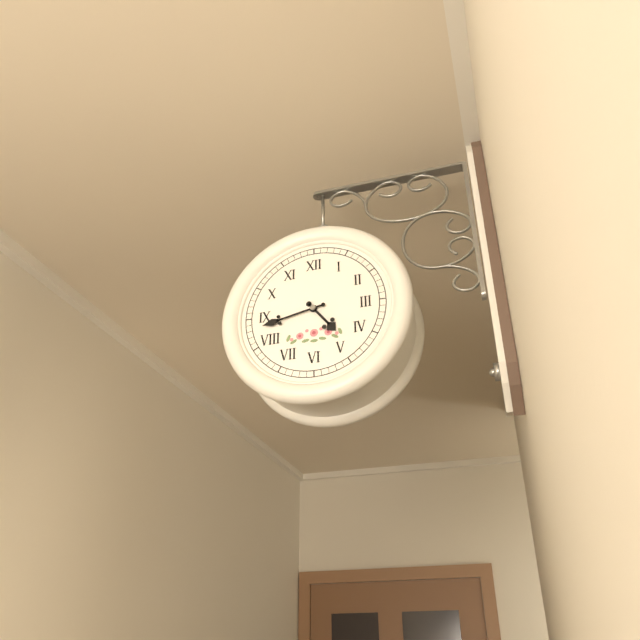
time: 4:43
